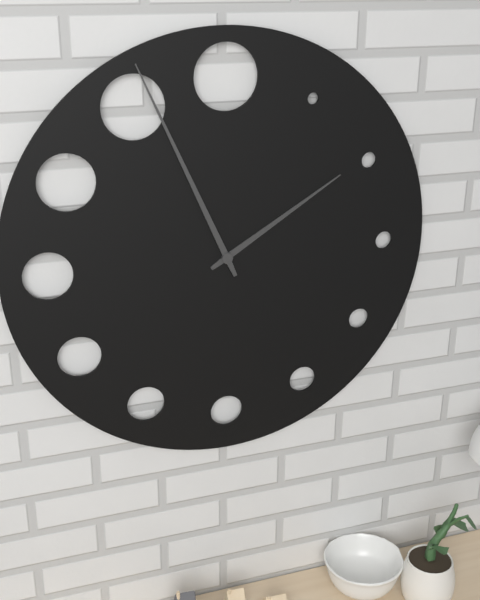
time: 1:56
